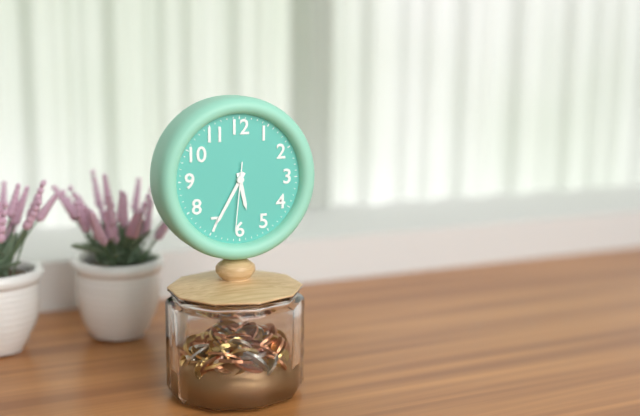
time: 5:35:31
